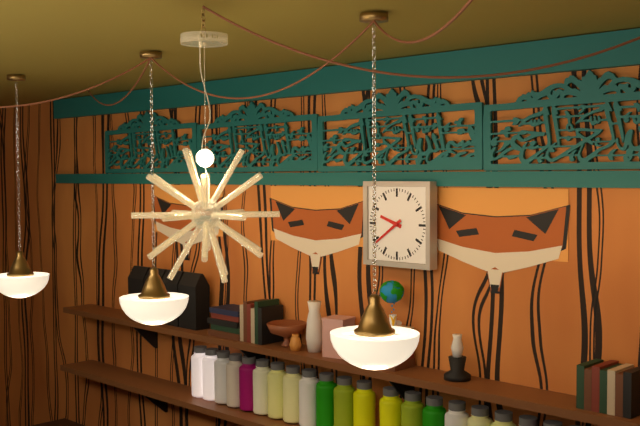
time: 9:39
